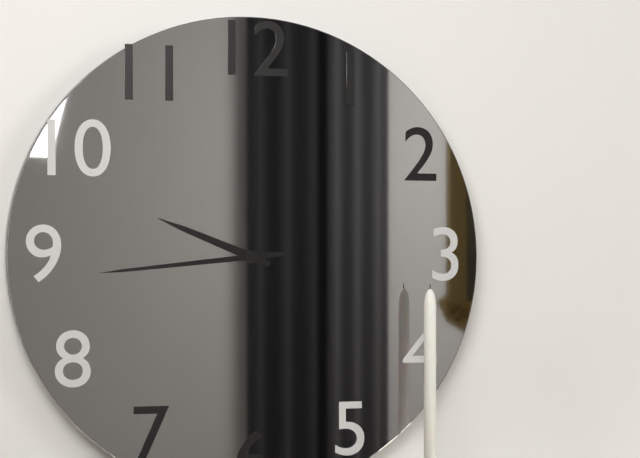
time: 9:44
